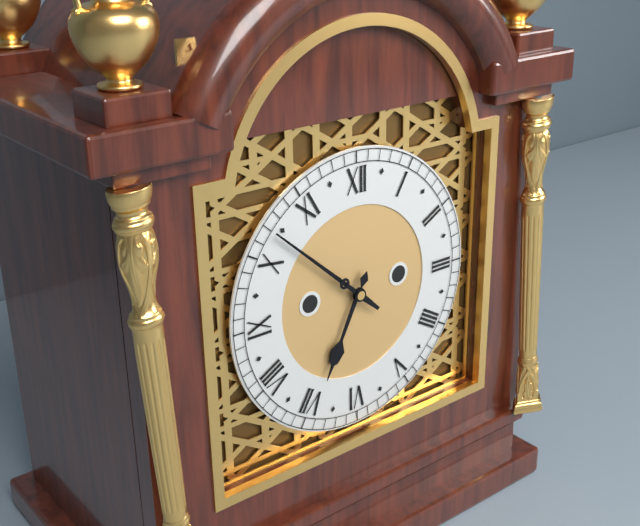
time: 6:52
